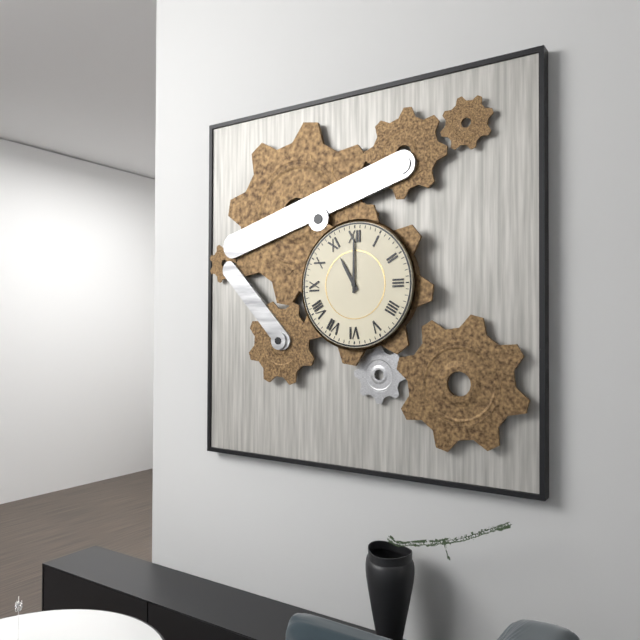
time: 11:00
